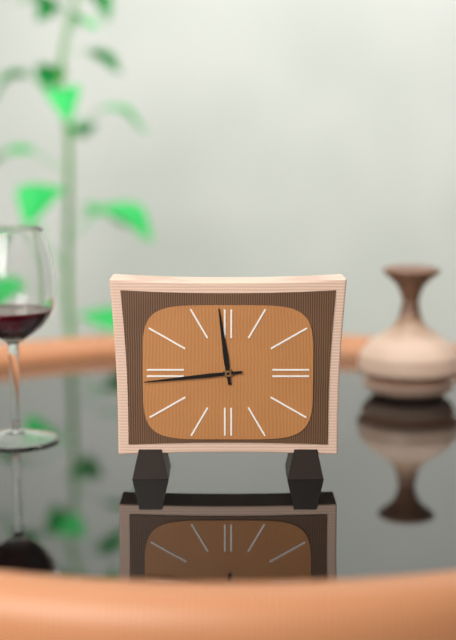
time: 11:44
